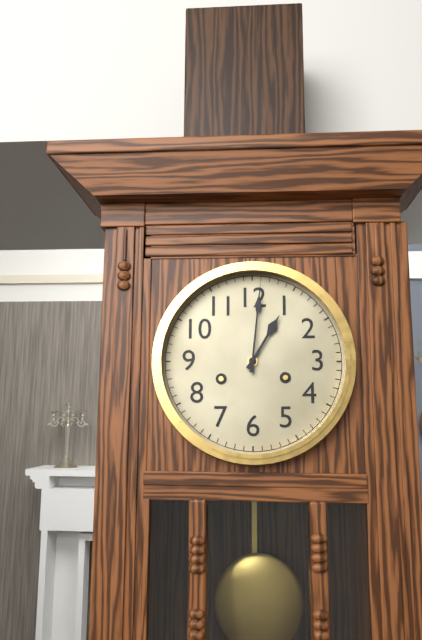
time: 1:01
